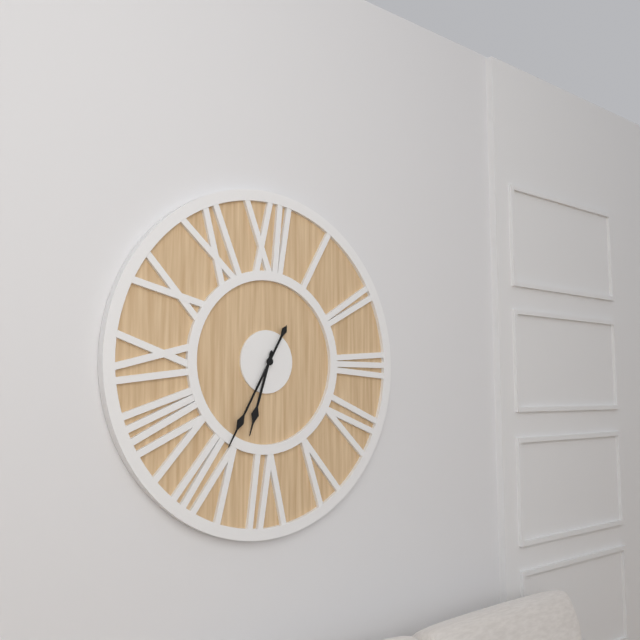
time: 6:35
